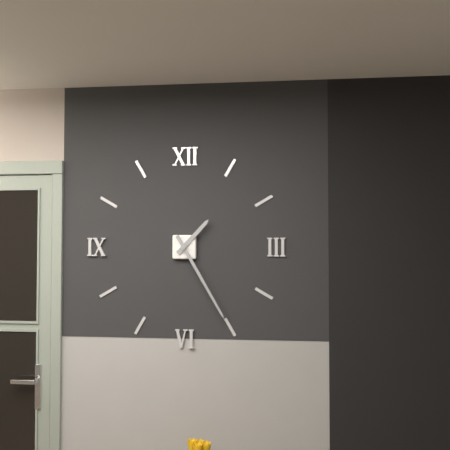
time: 1:25
